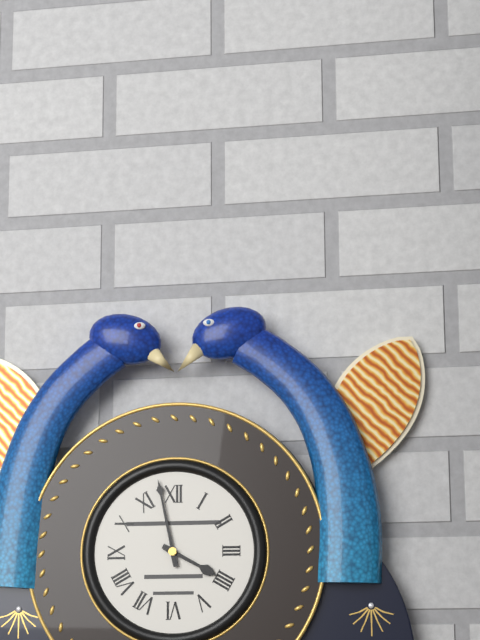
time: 3:58
